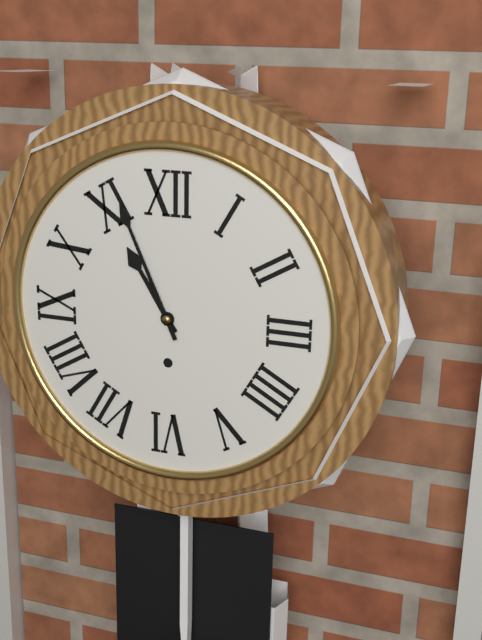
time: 10:56
